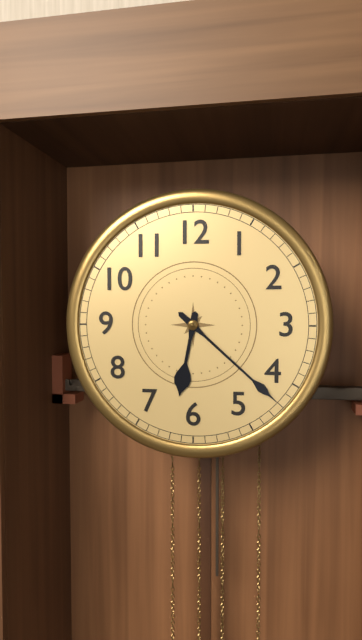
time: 6:22
